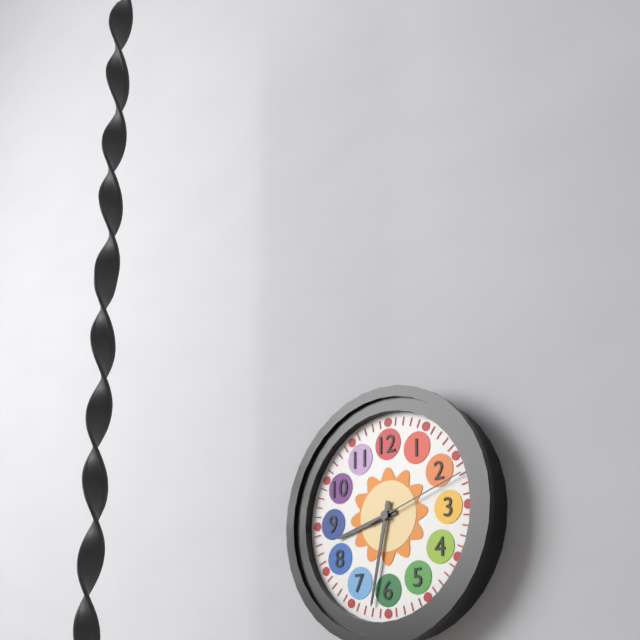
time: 8:32:12
